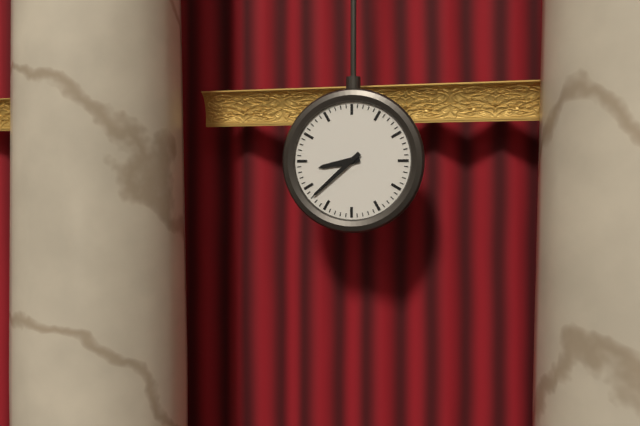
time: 8:38
